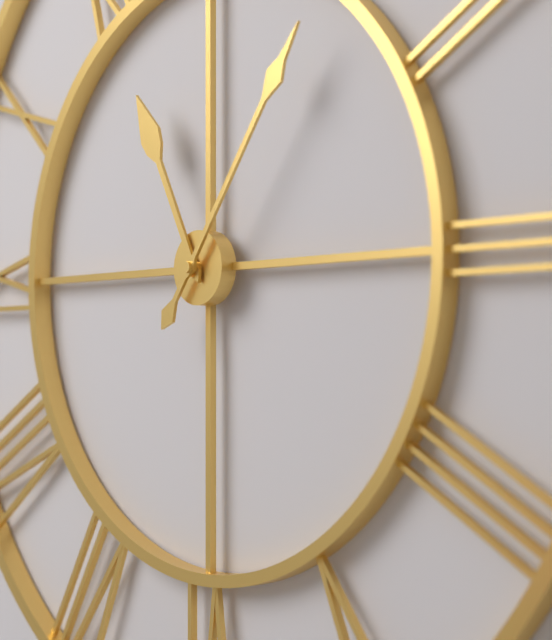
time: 11:06
